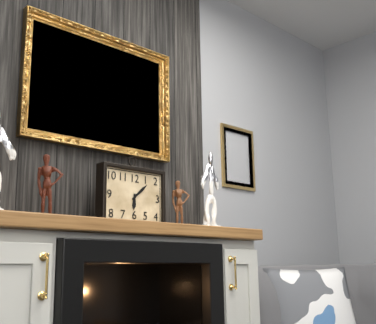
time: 6:08
